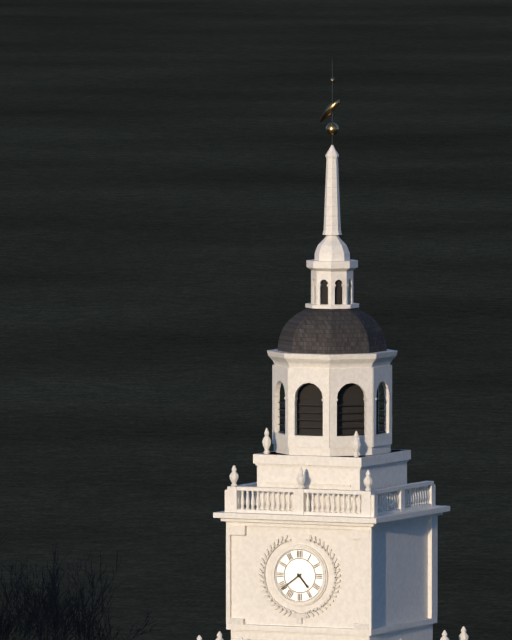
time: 4:39
